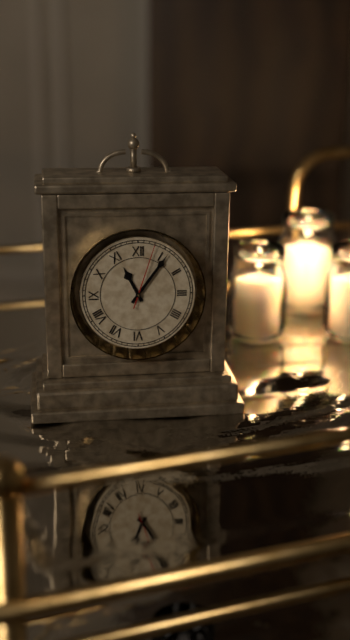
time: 11:06:03
